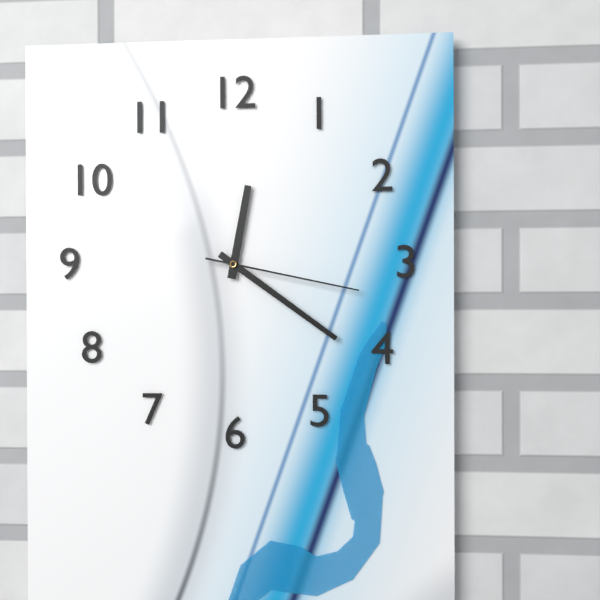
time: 12:21:17
